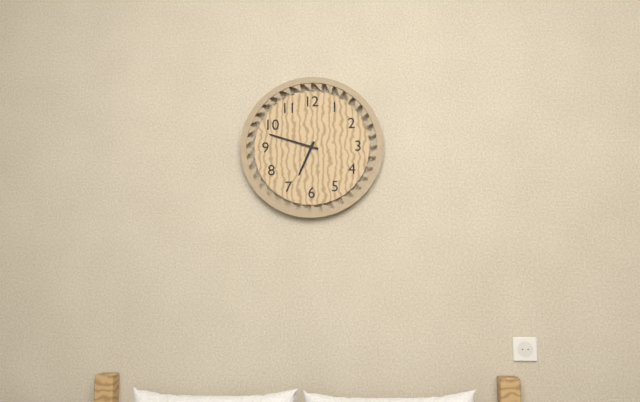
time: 6:48
